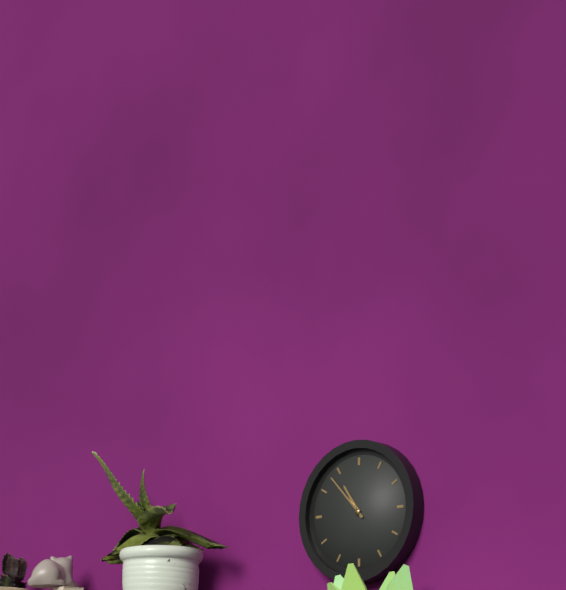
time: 10:53
